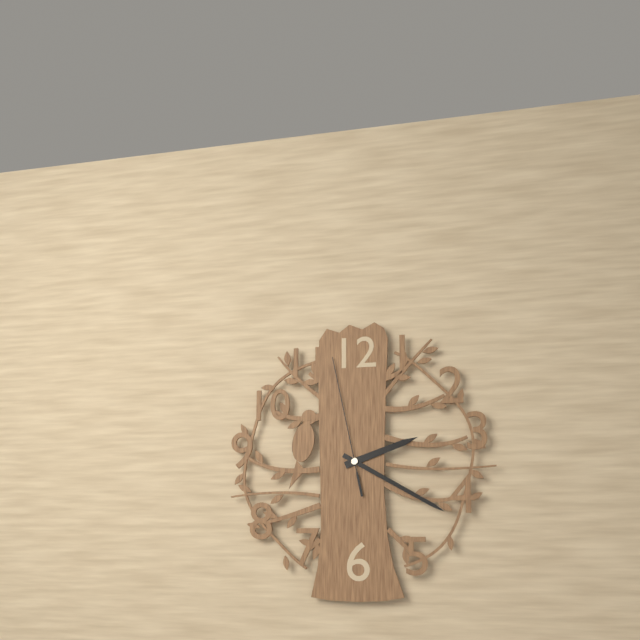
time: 2:20:58
